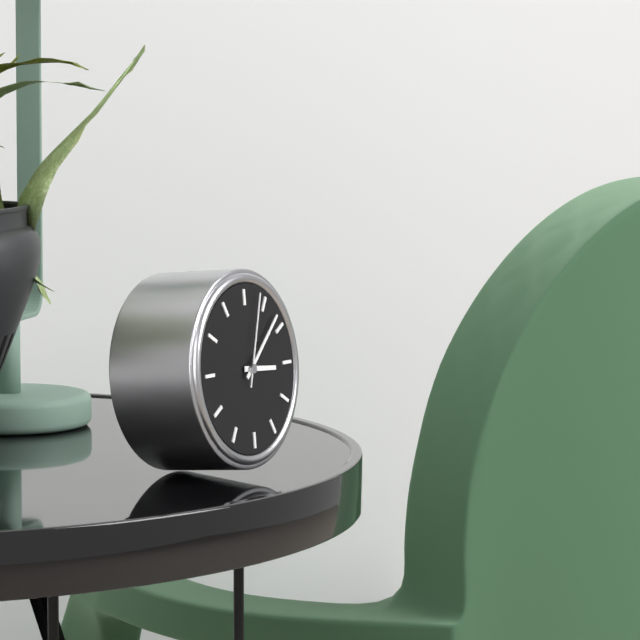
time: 3:08:03
